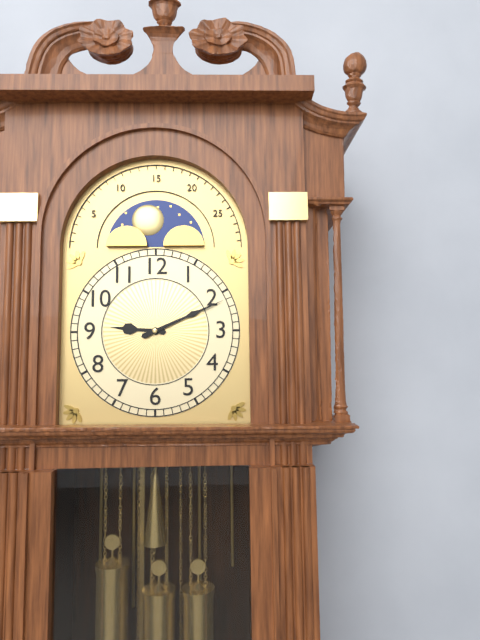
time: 9:11
